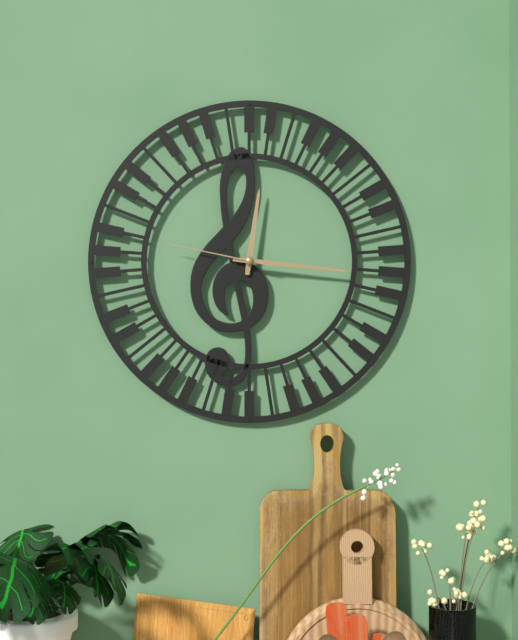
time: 12:16:47
